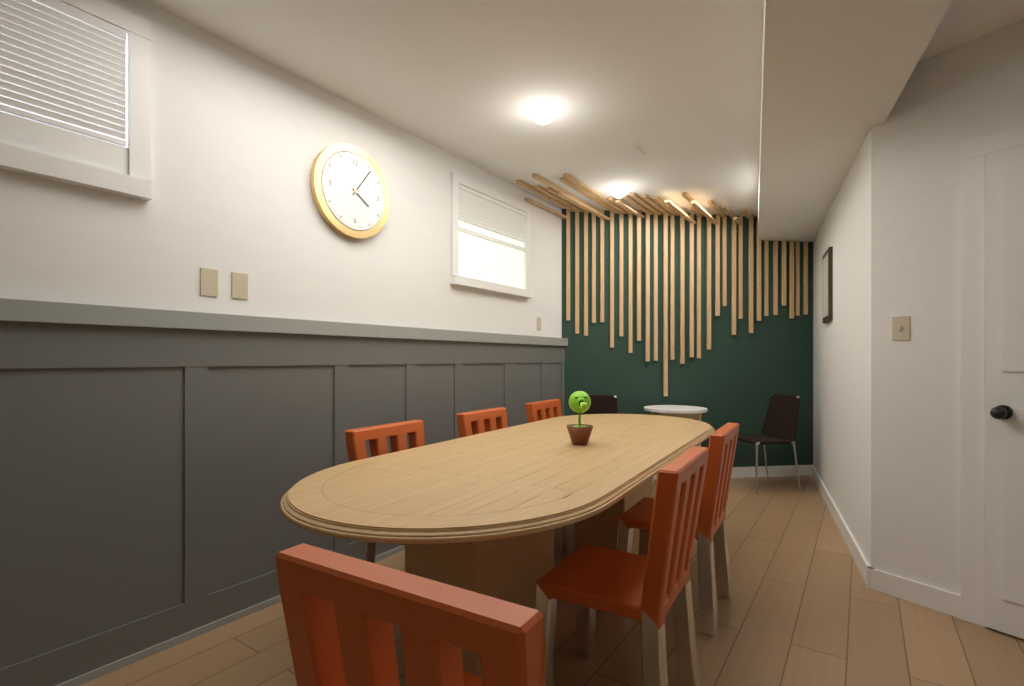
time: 4:06
